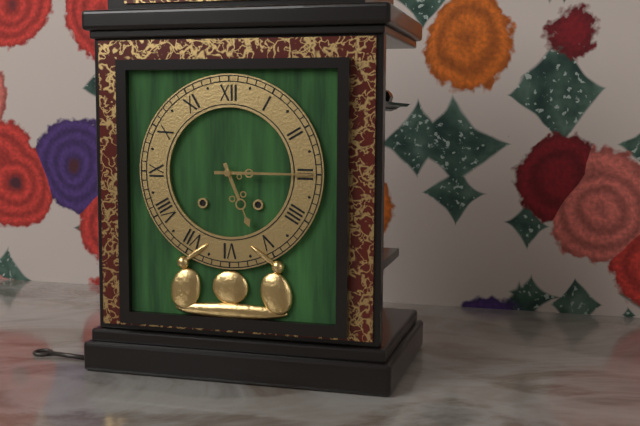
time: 5:15
